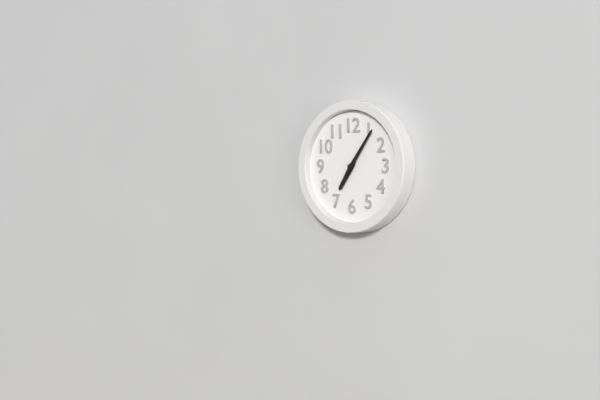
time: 7:06
